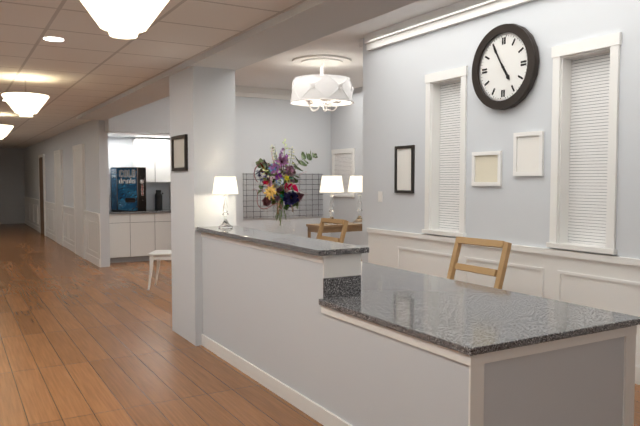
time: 4:55
